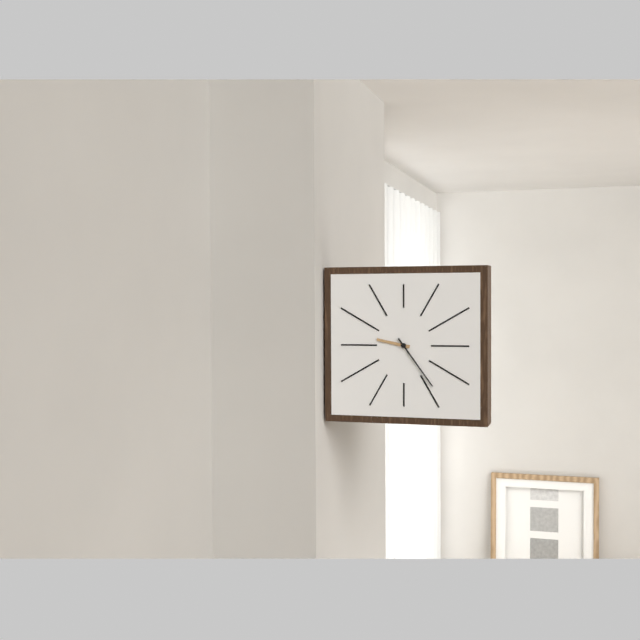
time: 9:24
